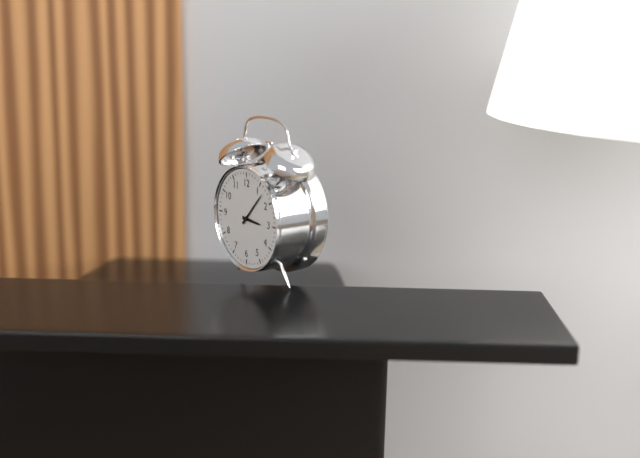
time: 3:07
